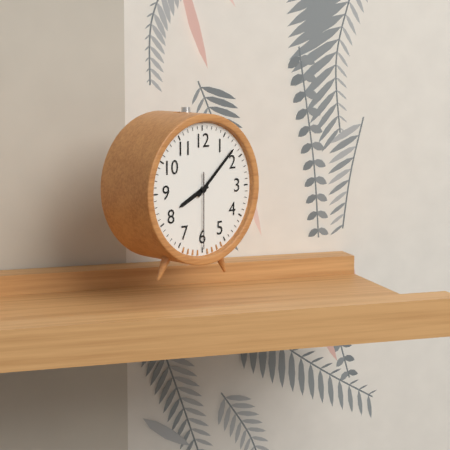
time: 8:08:30
